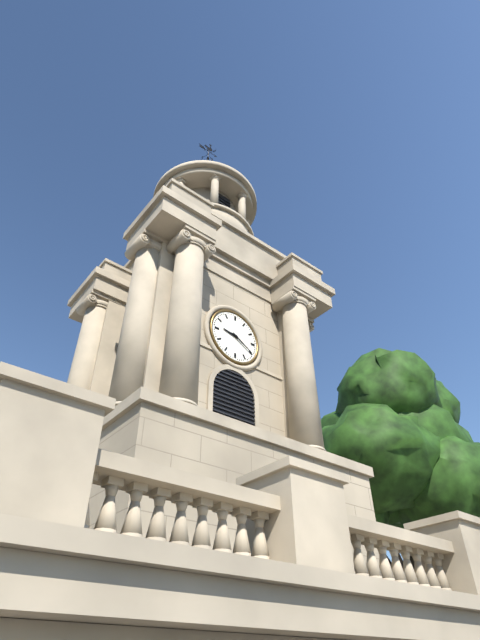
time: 9:20
